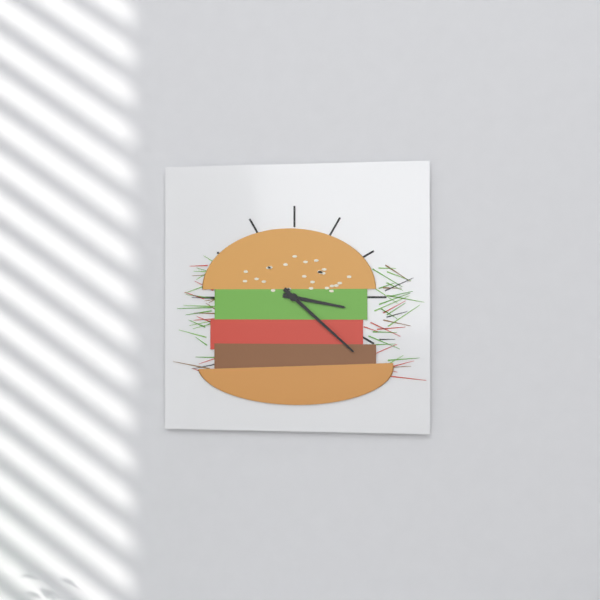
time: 3:22
